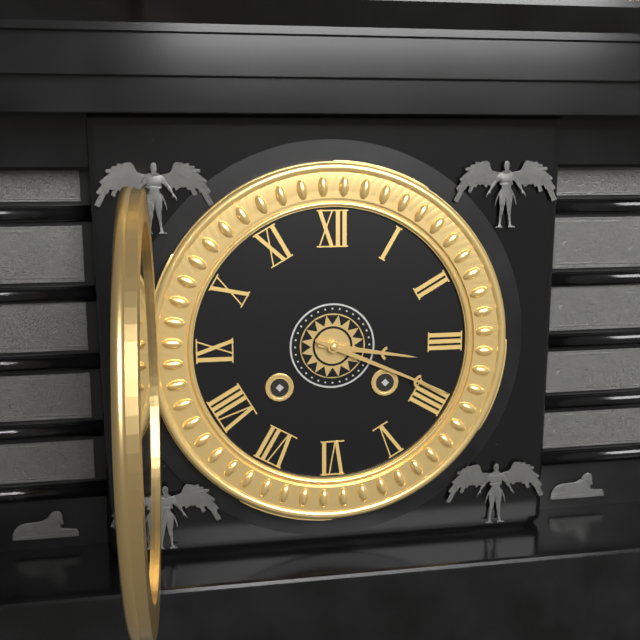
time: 3:19
